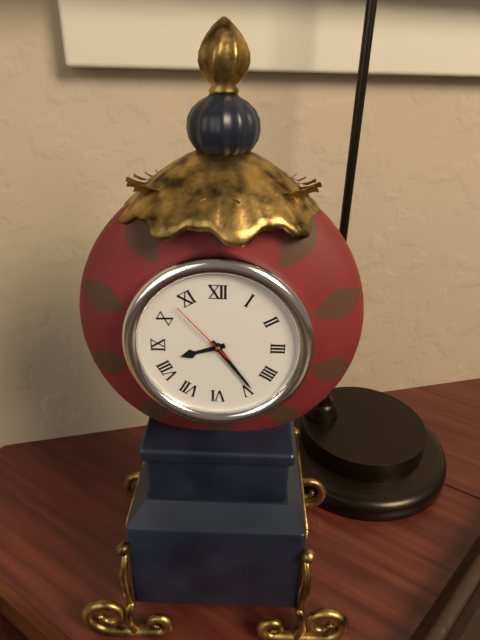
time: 8:24:53
